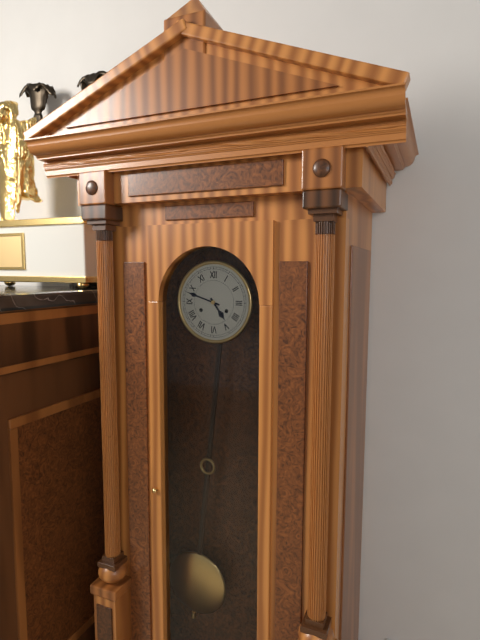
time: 4:48
